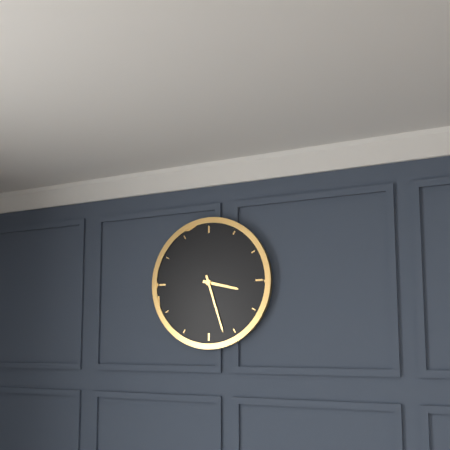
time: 3:27
